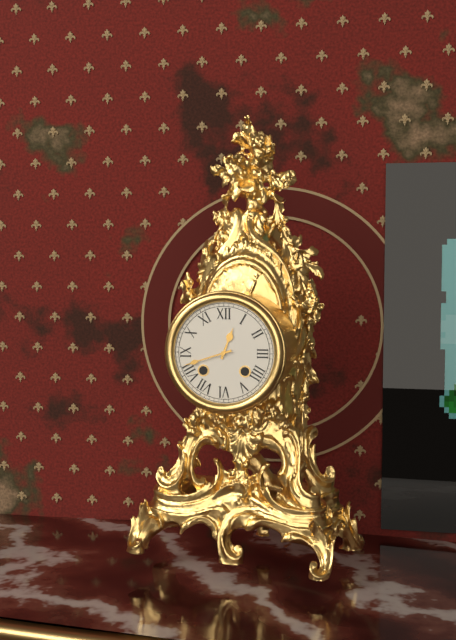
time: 12:42
